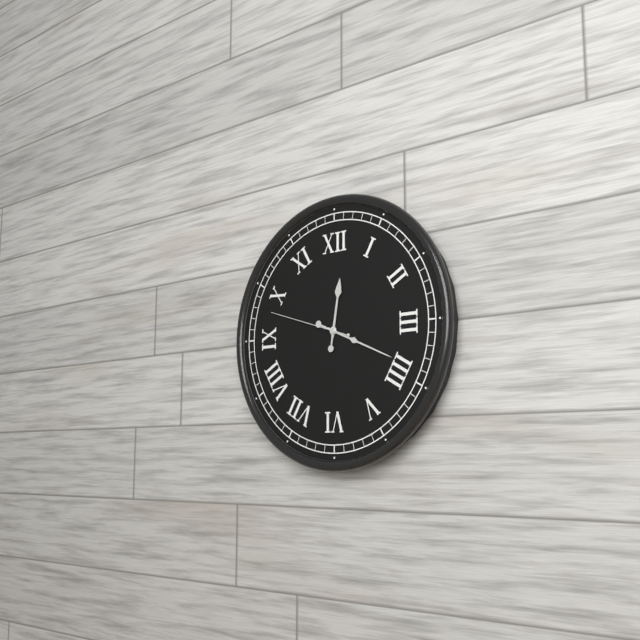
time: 12:19:48
